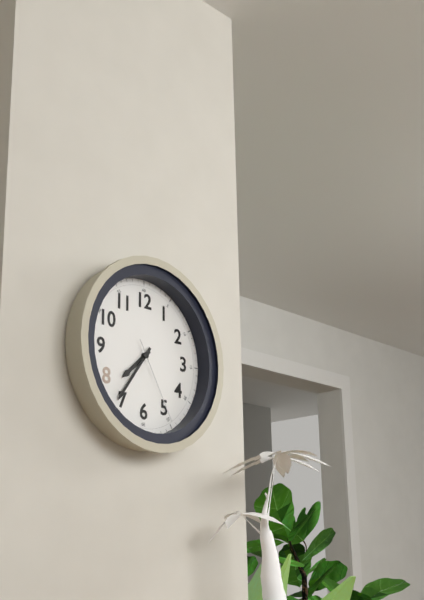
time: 7:36:25
